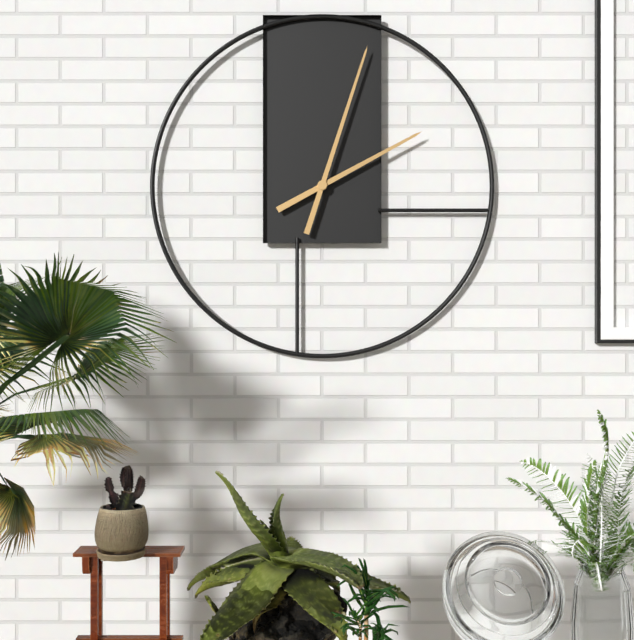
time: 2:03
